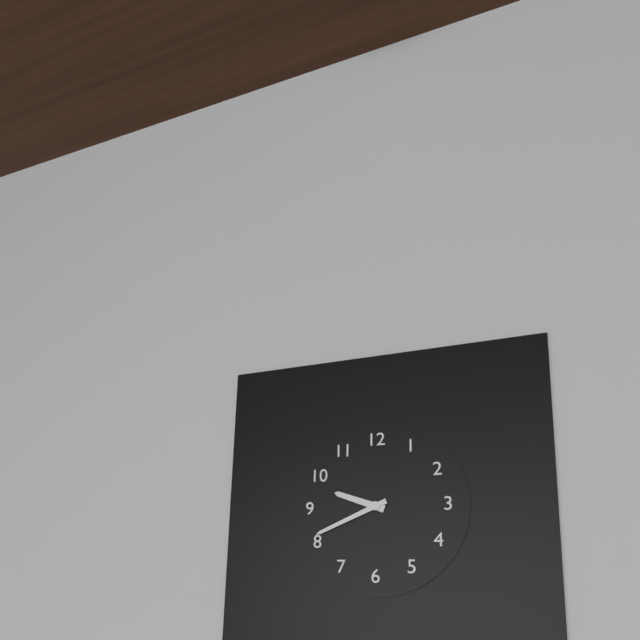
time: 9:41
